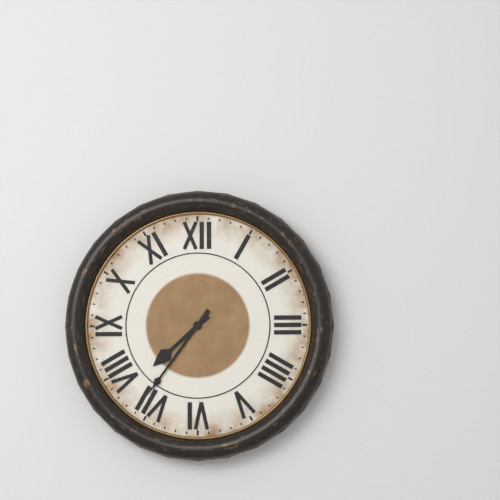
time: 7:36
